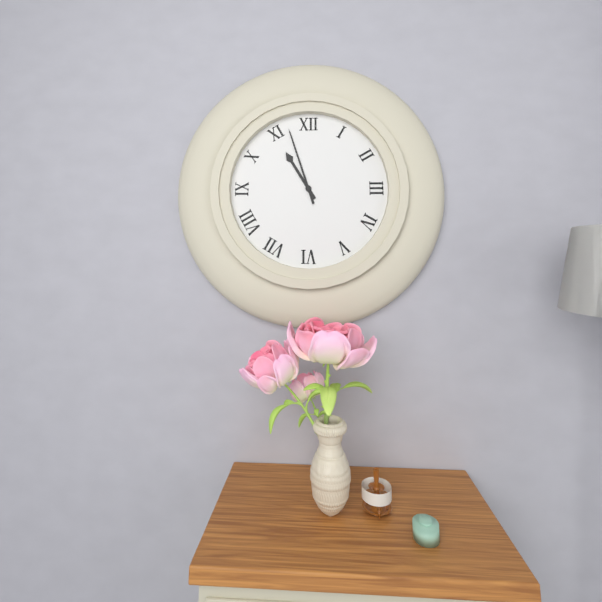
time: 10:57
